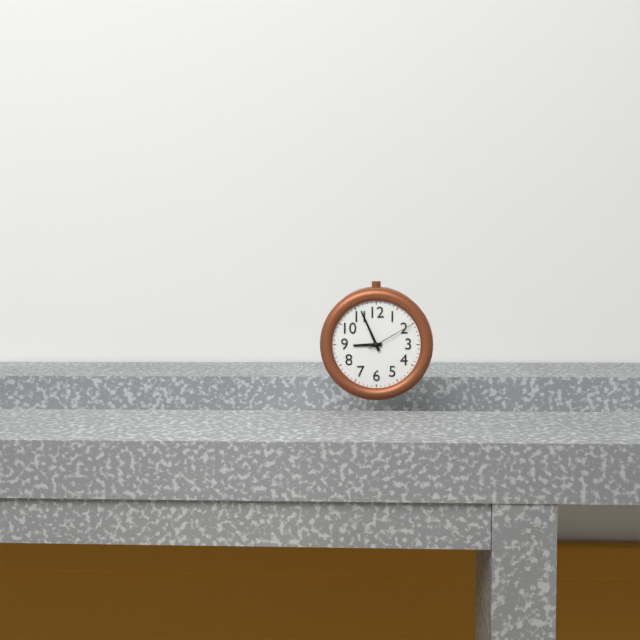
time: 8:56
